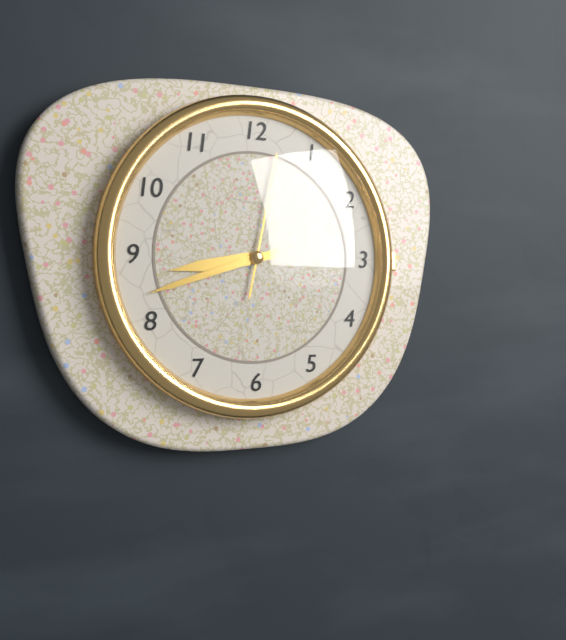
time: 8:42:02
